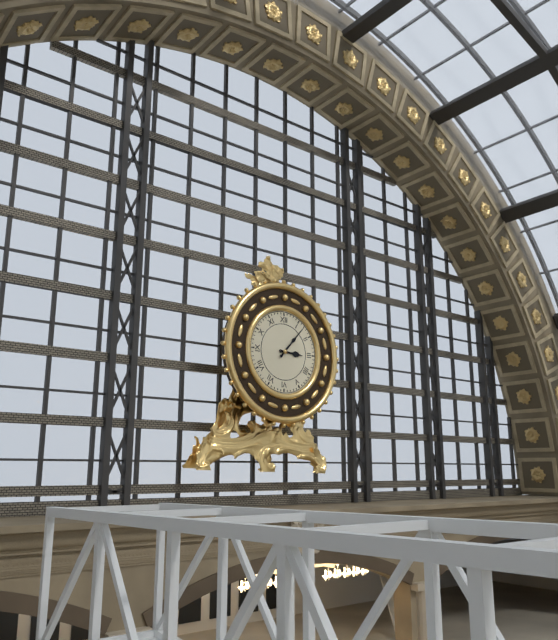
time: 3:07
